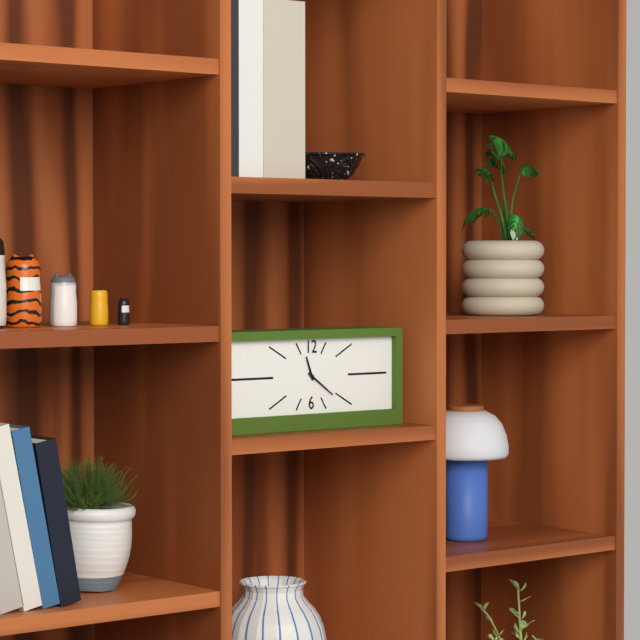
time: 11:21
